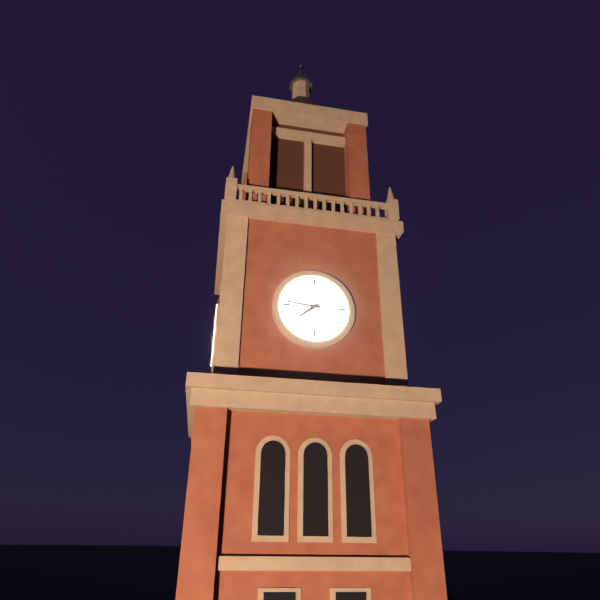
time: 7:46
